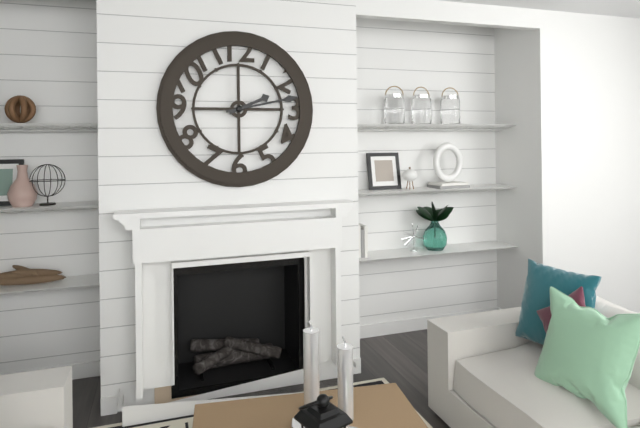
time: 2:13
